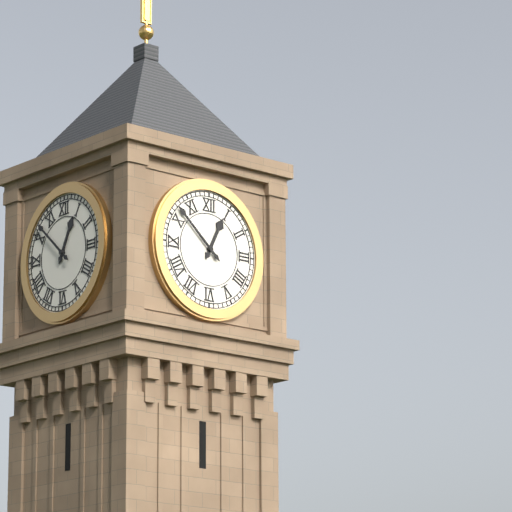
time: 12:52
